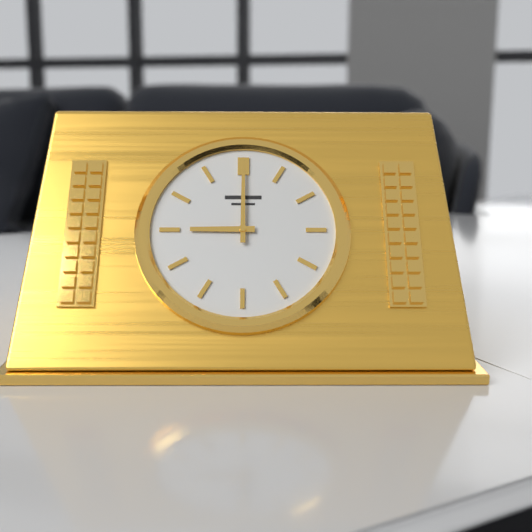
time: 9:00
